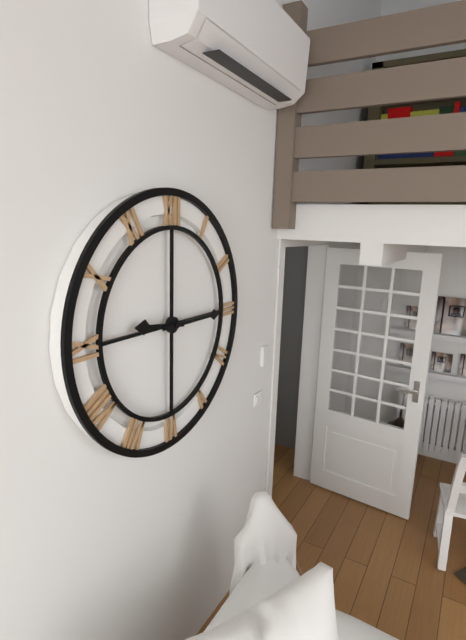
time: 9:15
